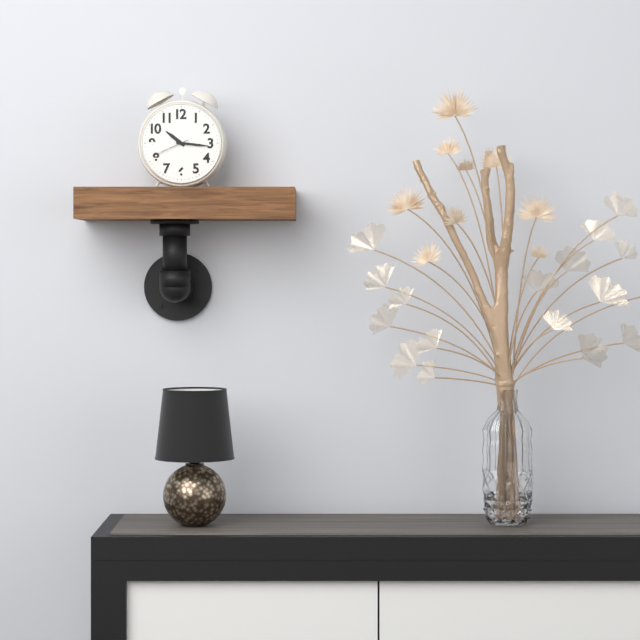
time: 10:16
